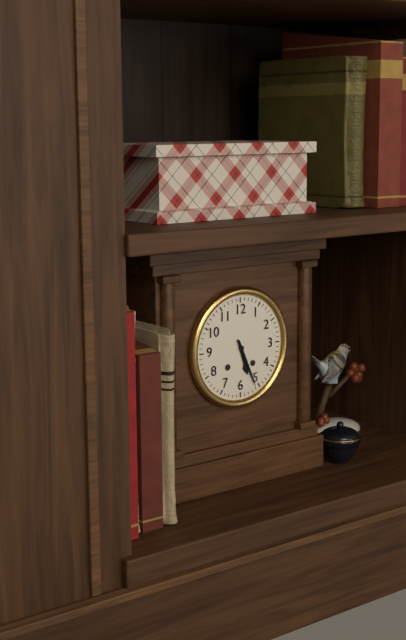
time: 5:26
